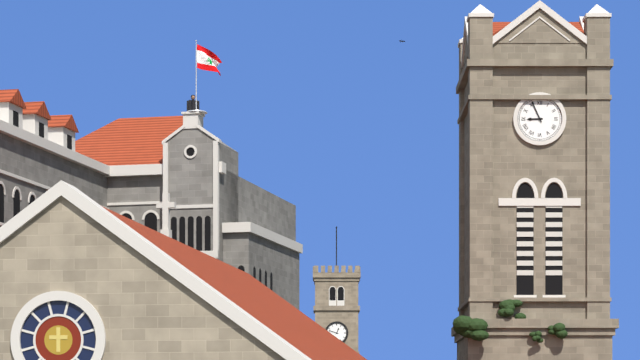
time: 8:56
